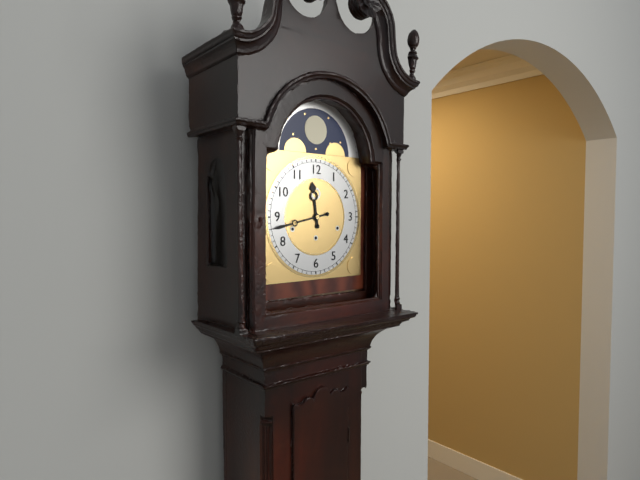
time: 11:43
